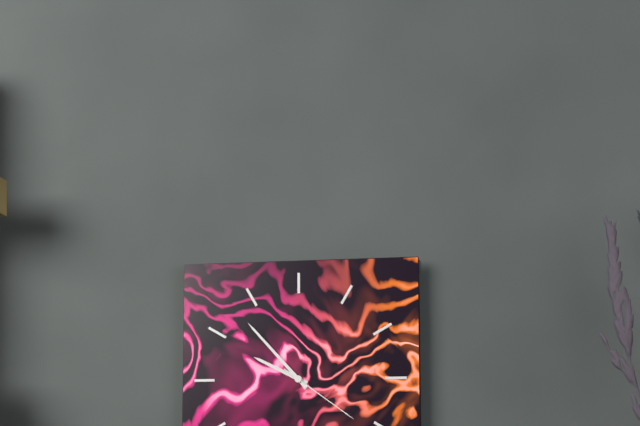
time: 9:53:21
